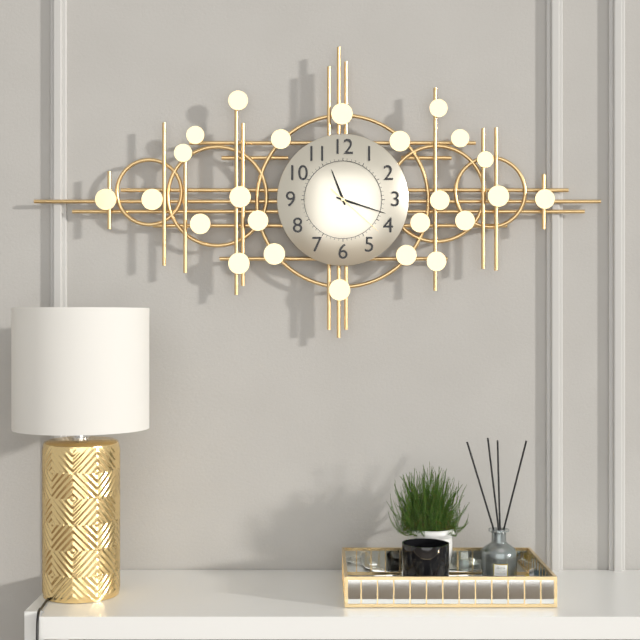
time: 11:18:22
